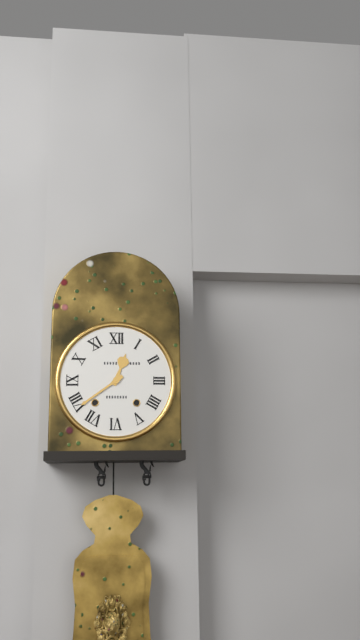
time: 12:39
